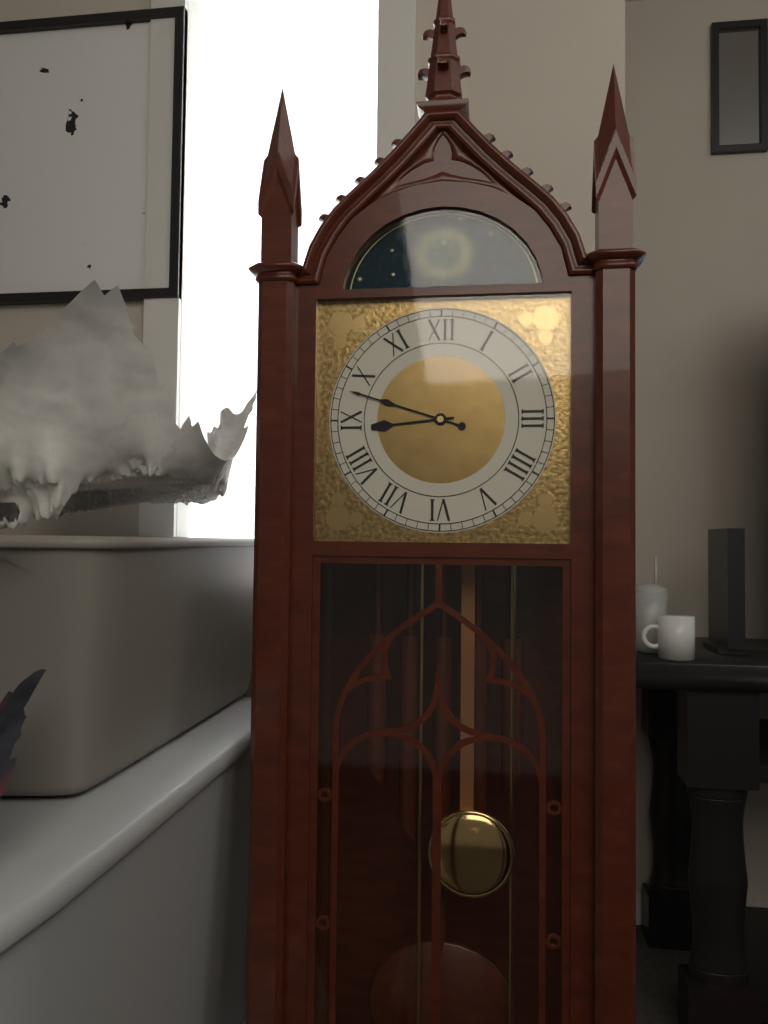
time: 8:48
